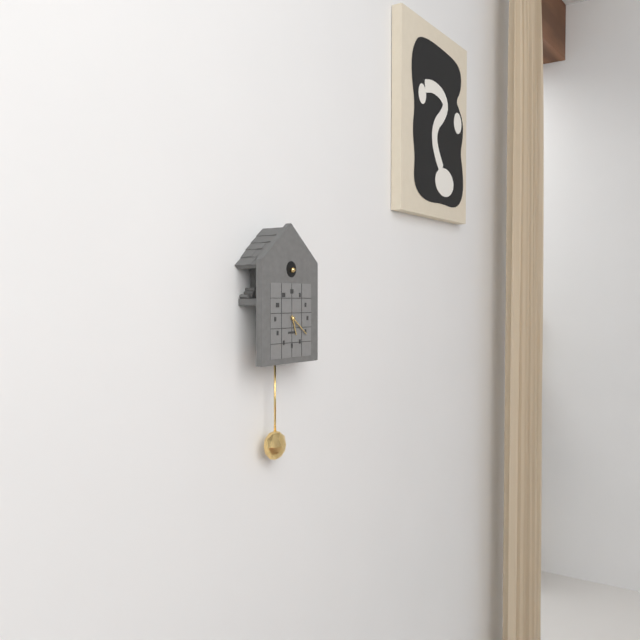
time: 5:21
